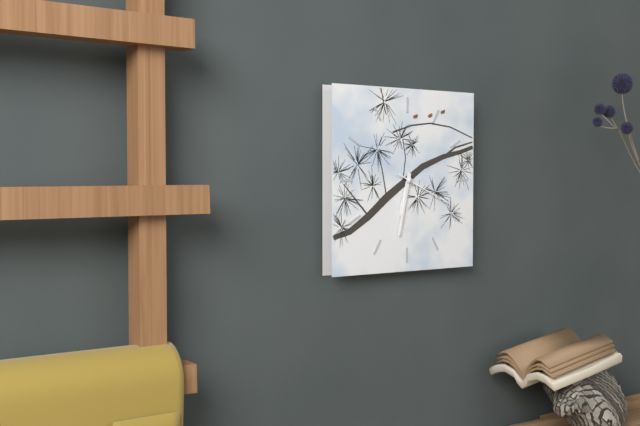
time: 6:32:19
